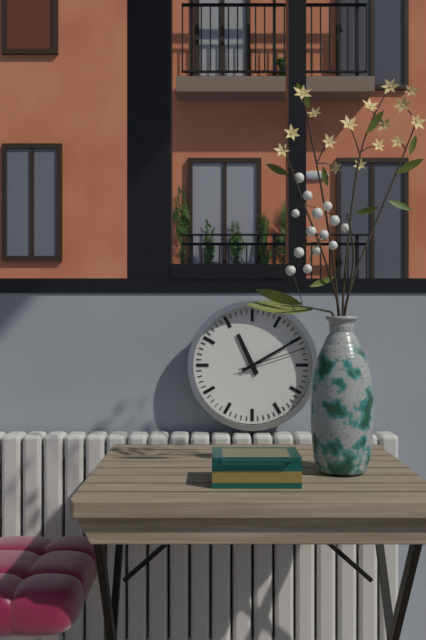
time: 11:10:12
